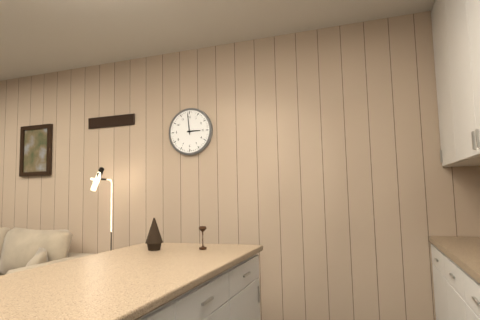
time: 2:59
